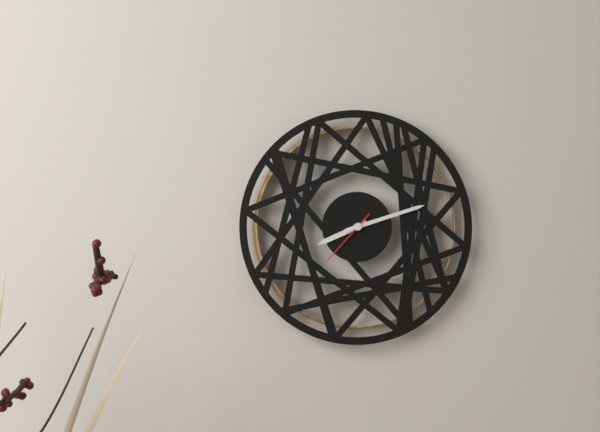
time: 8:12:37
